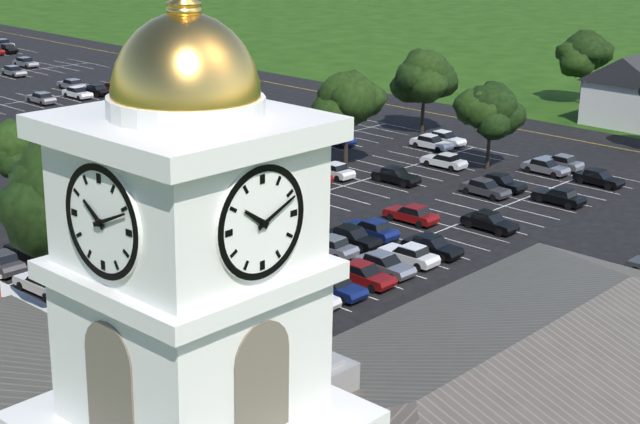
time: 10:11
